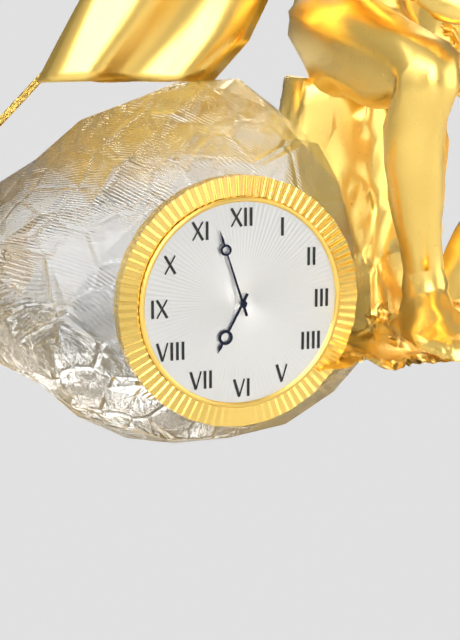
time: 6:57
